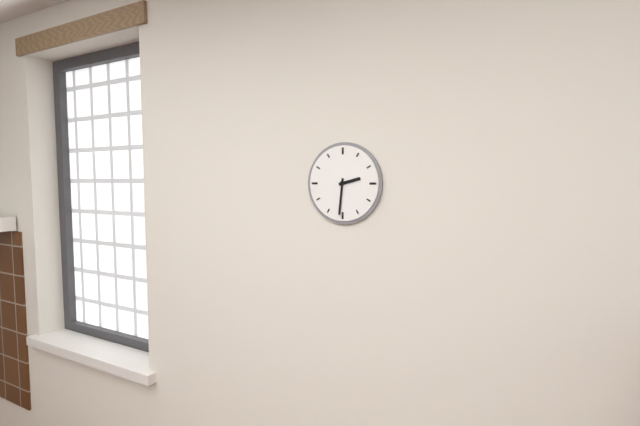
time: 2:31
